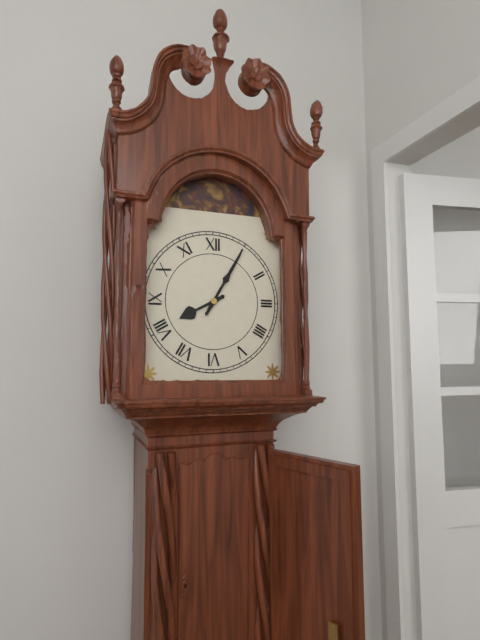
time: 8:05
